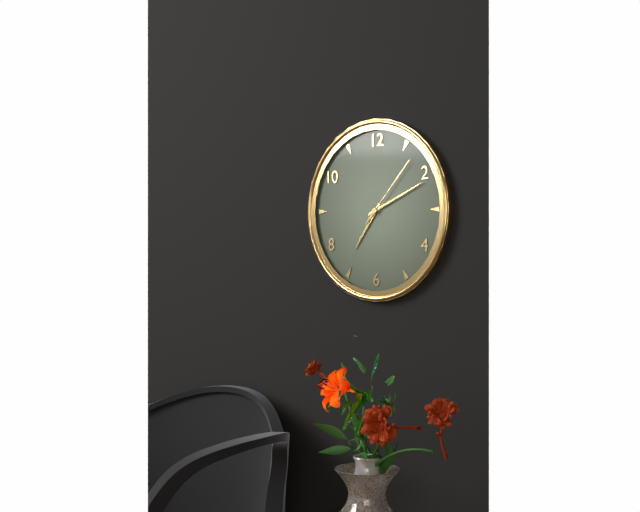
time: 7:11:07
